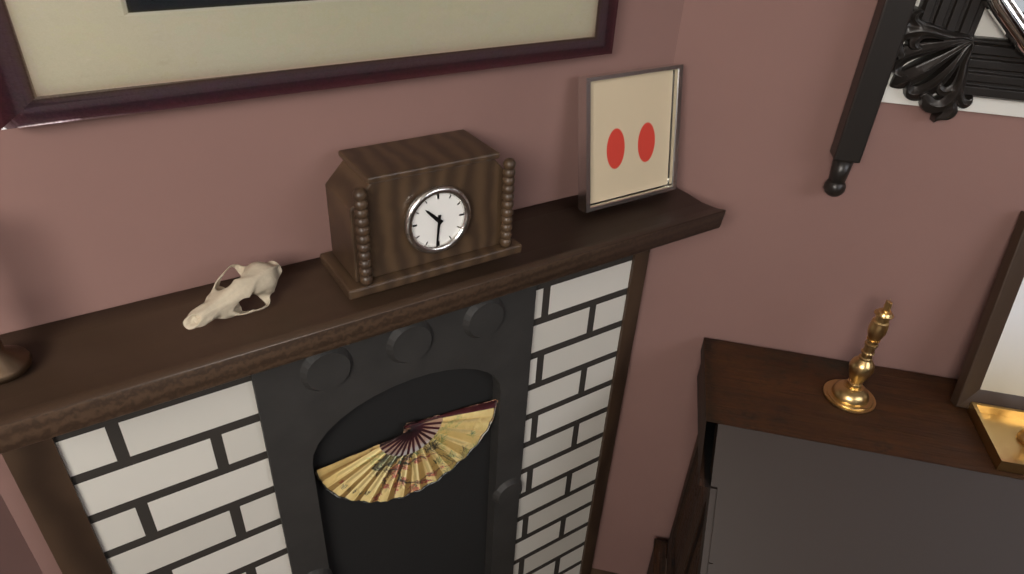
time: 10:31
